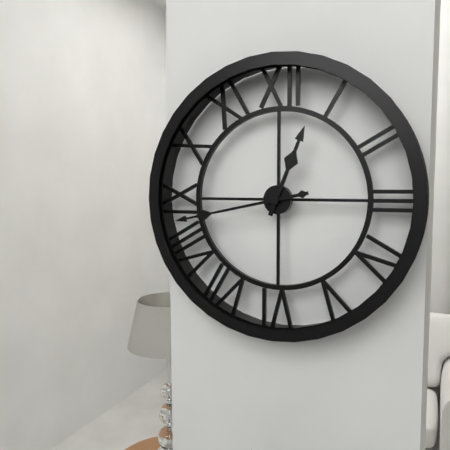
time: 12:43
